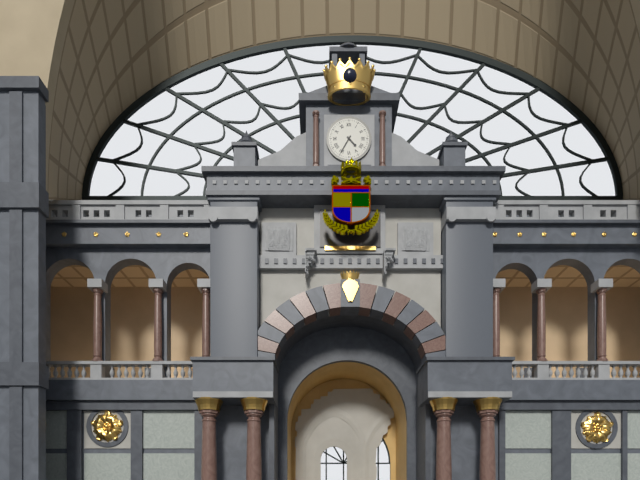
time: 4:35
